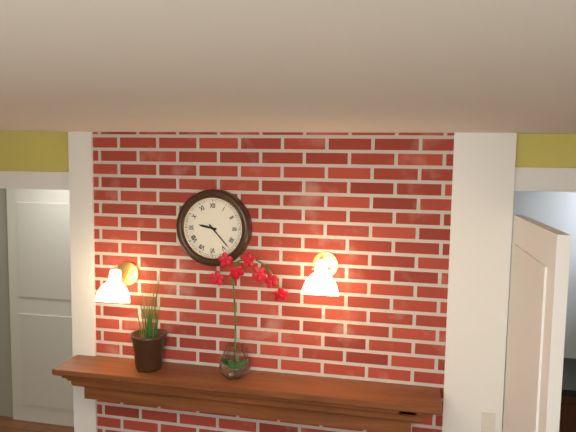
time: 9:23
